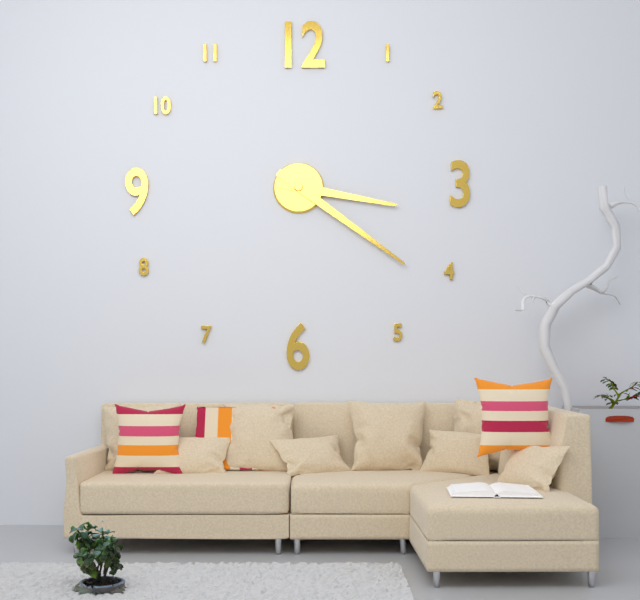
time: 3:21
